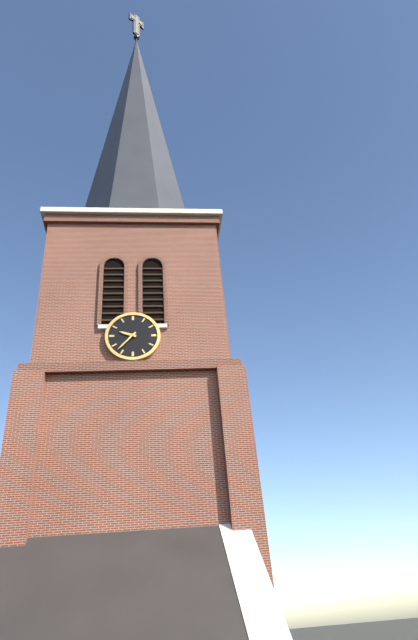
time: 9:37
